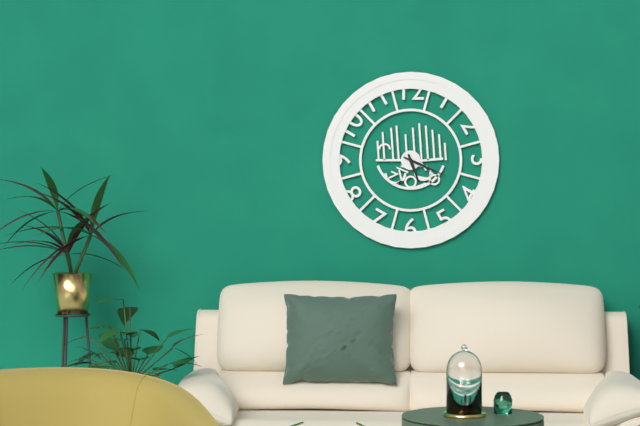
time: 5:19
